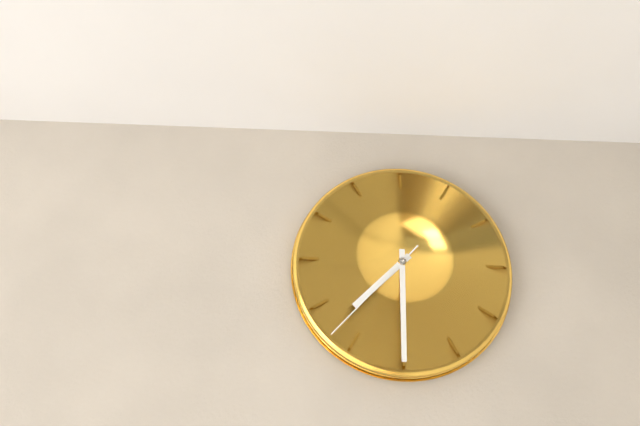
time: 7:30:37
